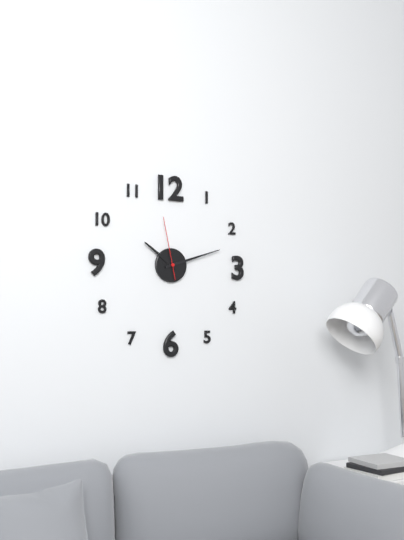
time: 10:12:58
